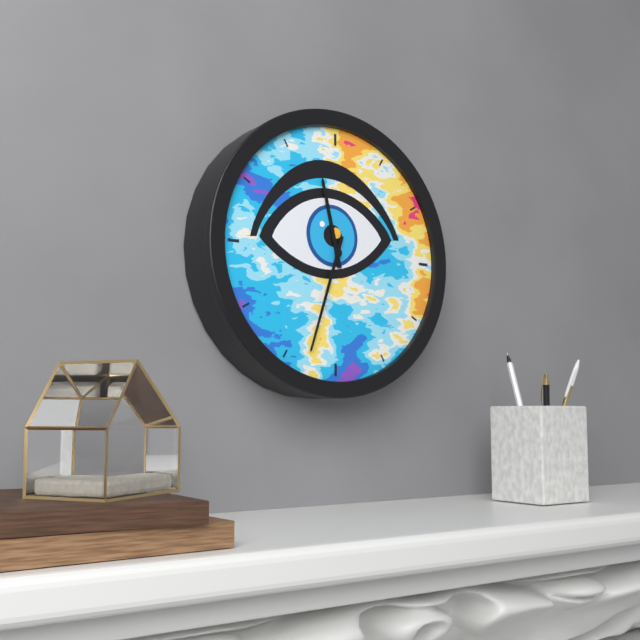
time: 11:33
